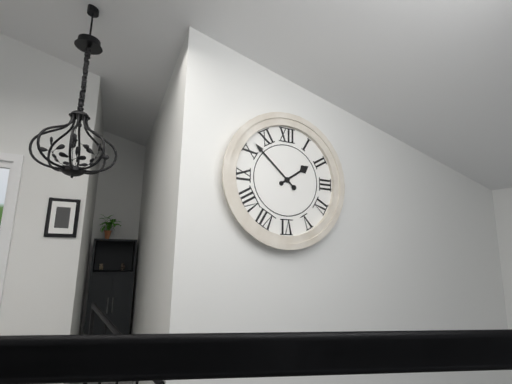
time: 1:52
